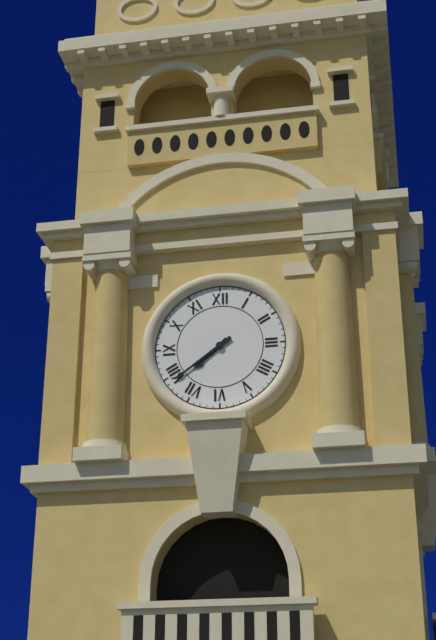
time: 7:39
